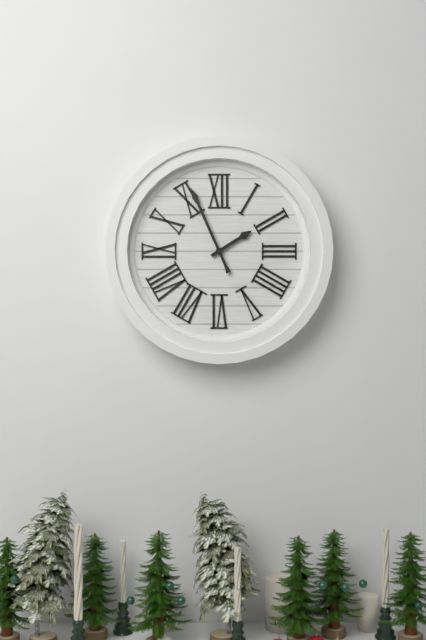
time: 1:56
